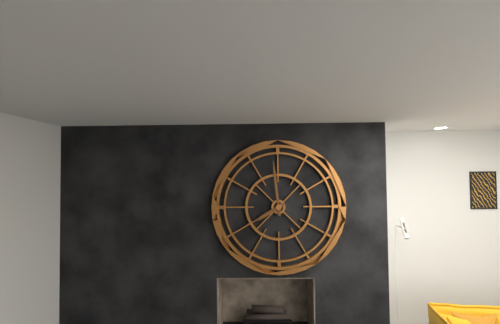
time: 7:59
